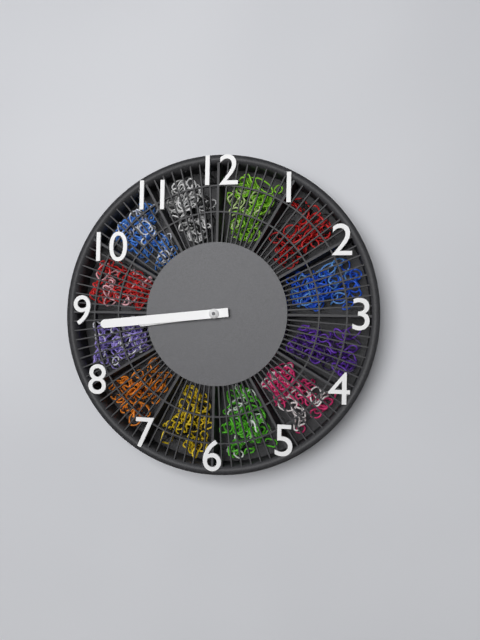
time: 8:44
